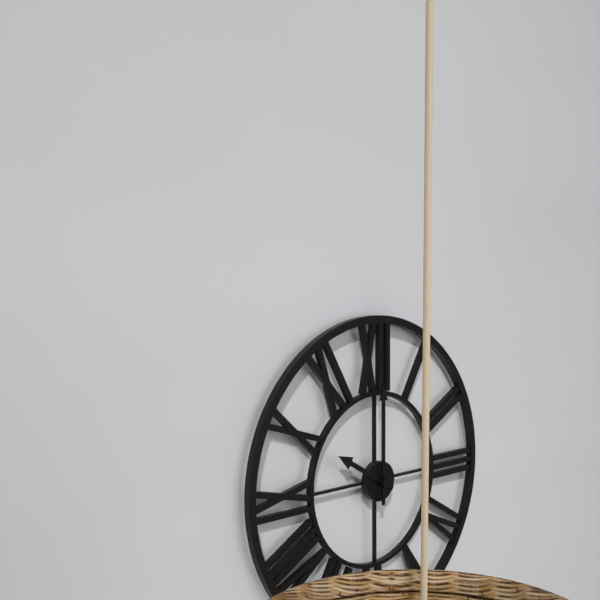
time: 10:00
